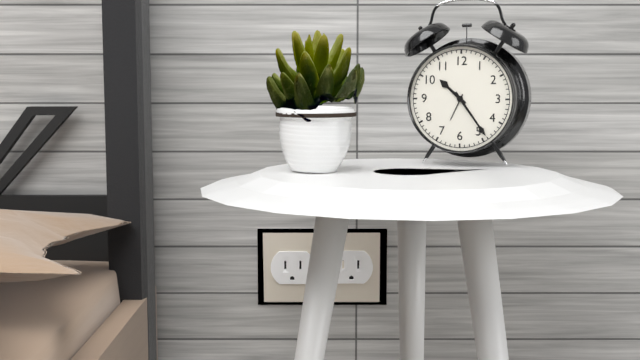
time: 10:24
